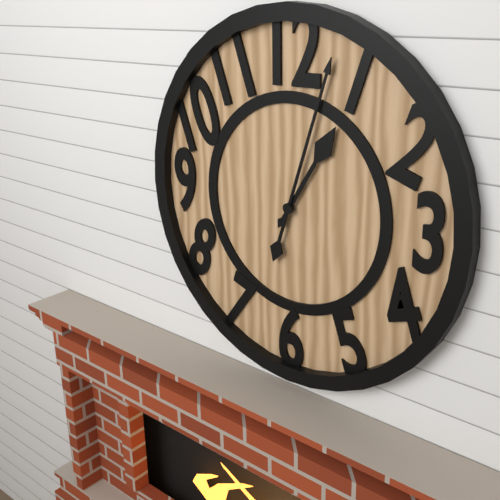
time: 1:03
